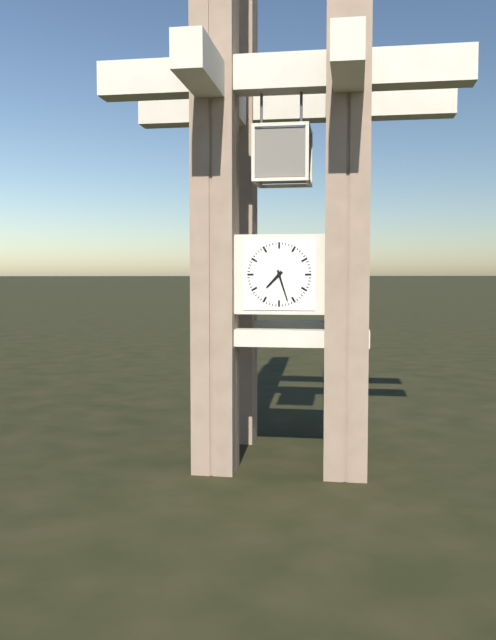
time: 7:27
